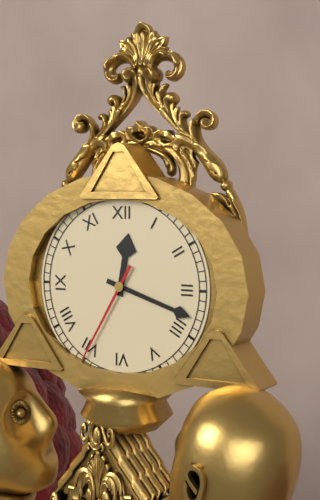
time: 12:18:35
